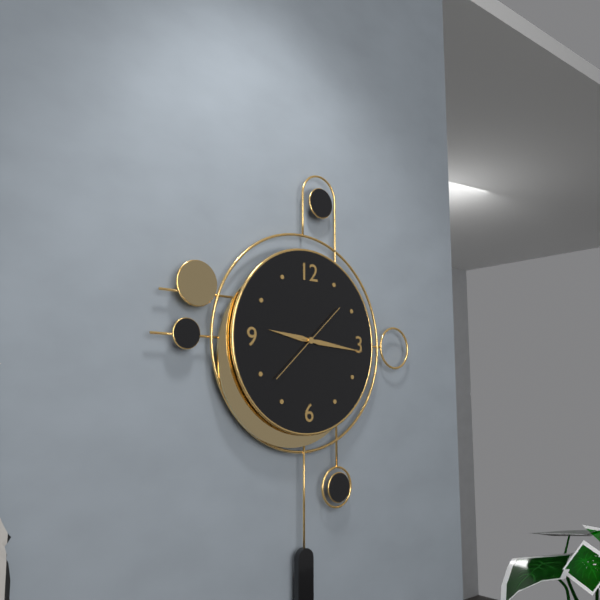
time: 9:16:38
